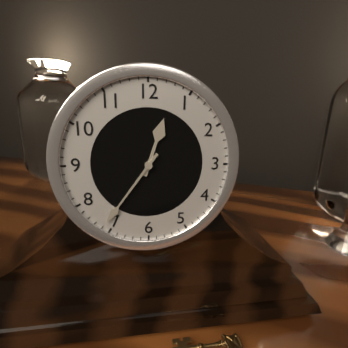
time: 12:36
